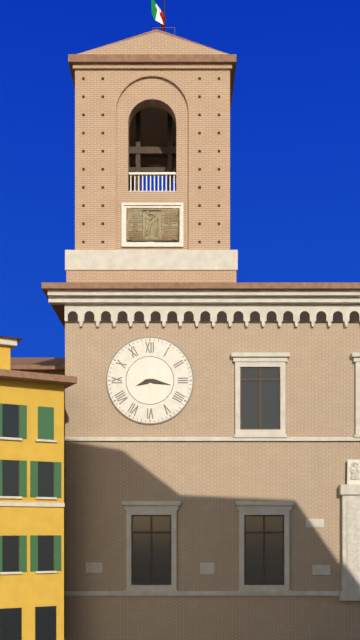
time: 8:17
